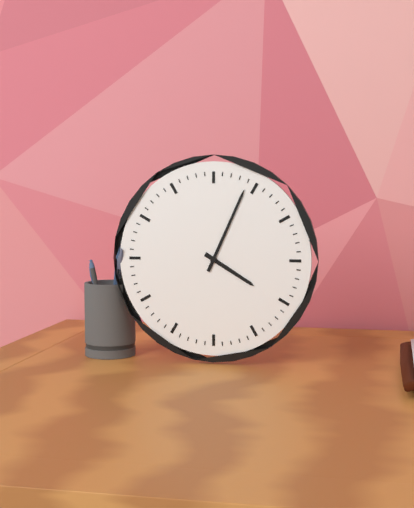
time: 4:04
